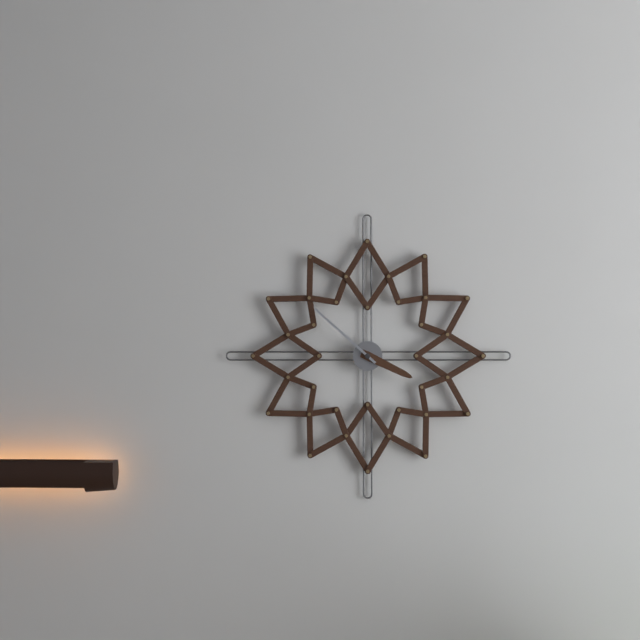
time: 3:52
